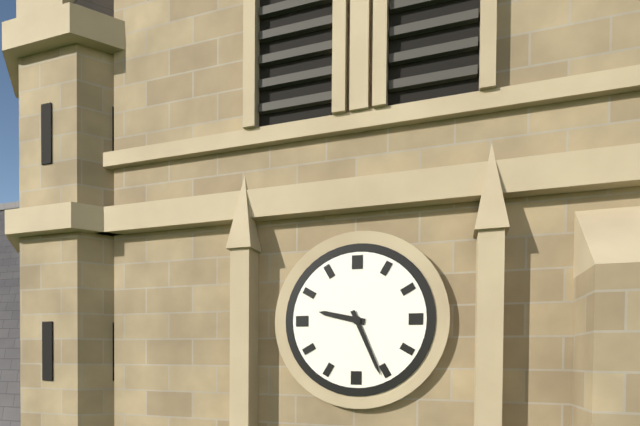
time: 9:26
